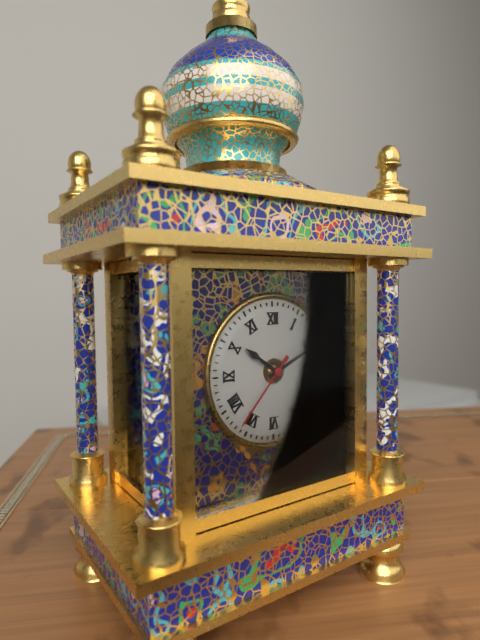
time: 10:11:37
